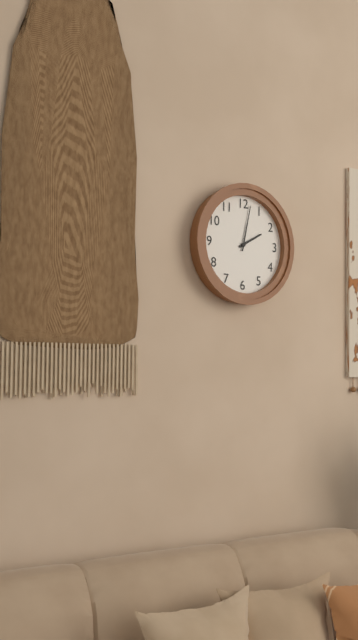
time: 2:02
